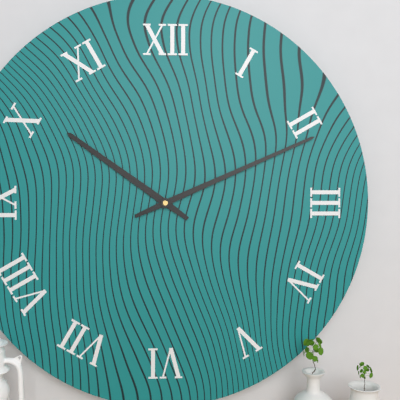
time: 10:11
